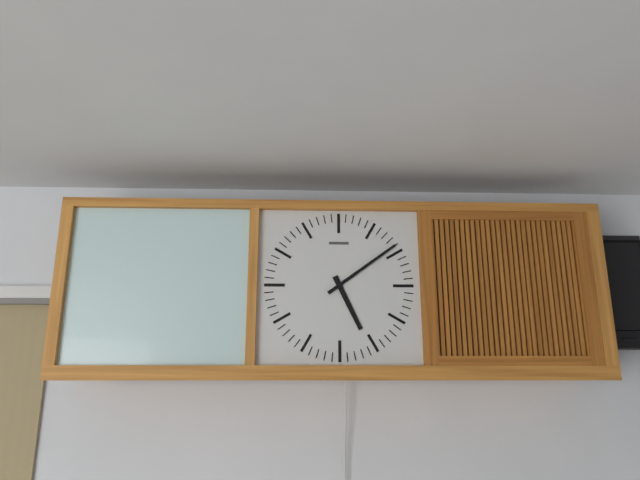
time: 5:09
